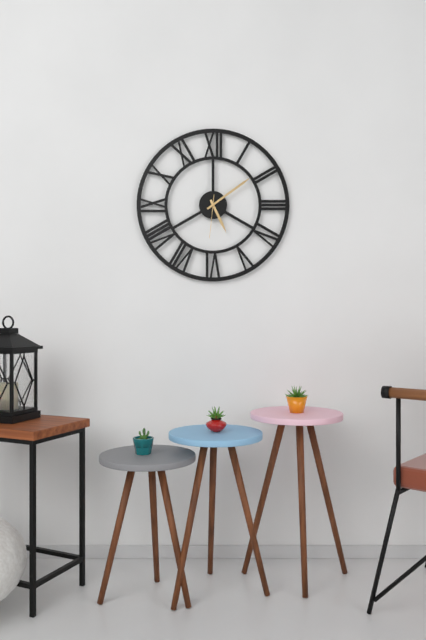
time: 5:09
